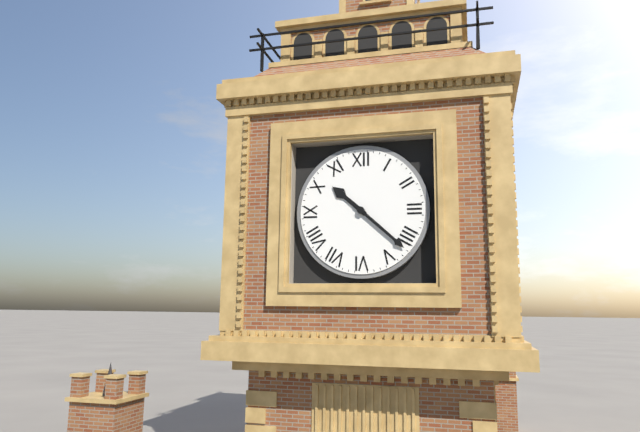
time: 10:22
